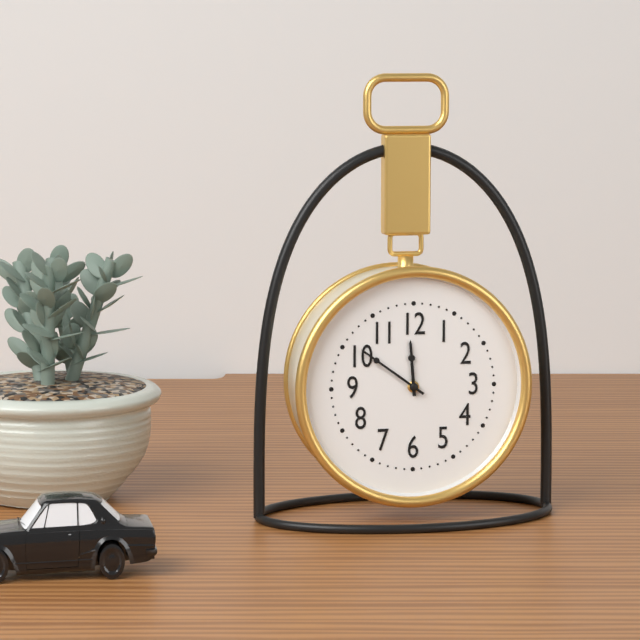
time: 11:51
